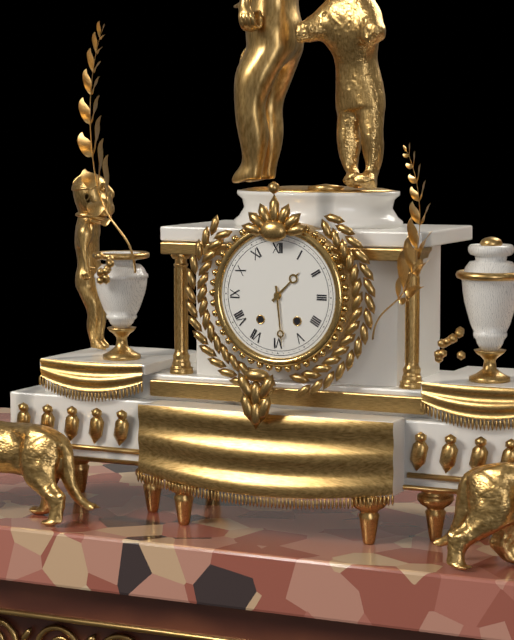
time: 1:29
